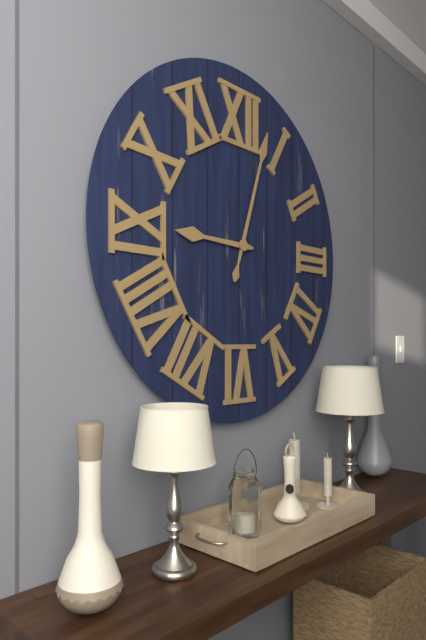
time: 9:03
